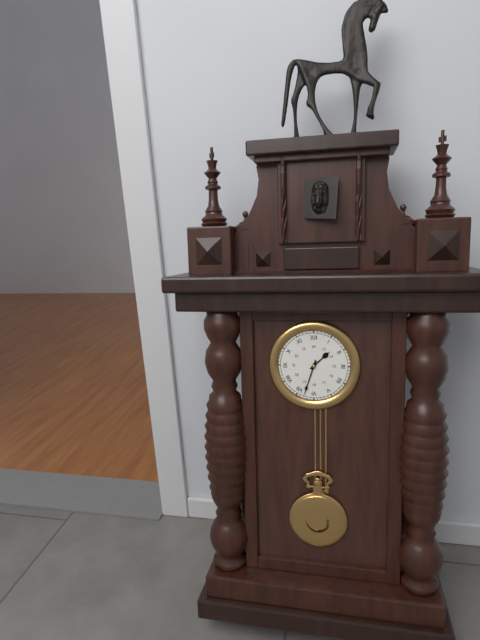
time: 1:33
